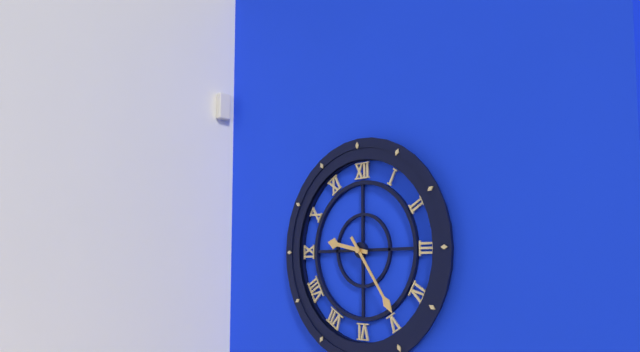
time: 9:24
